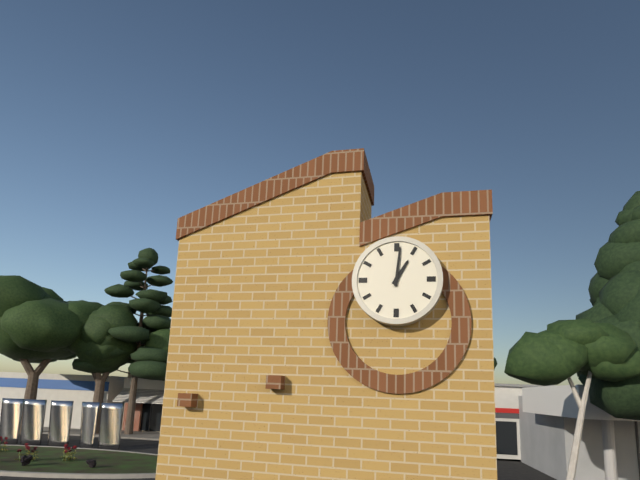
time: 1:01
